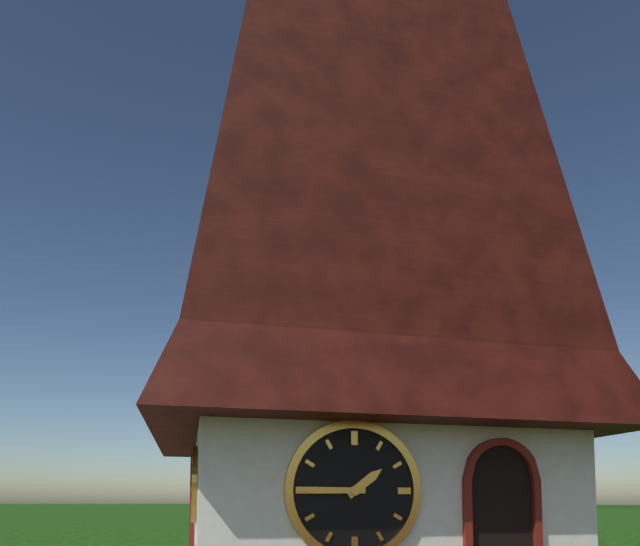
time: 1:45
